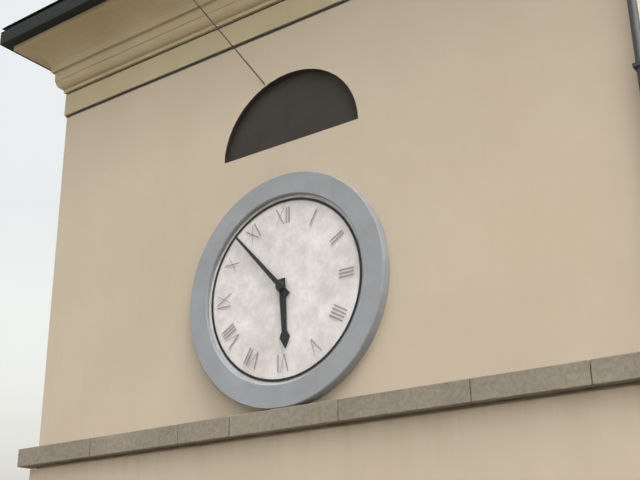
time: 5:53
